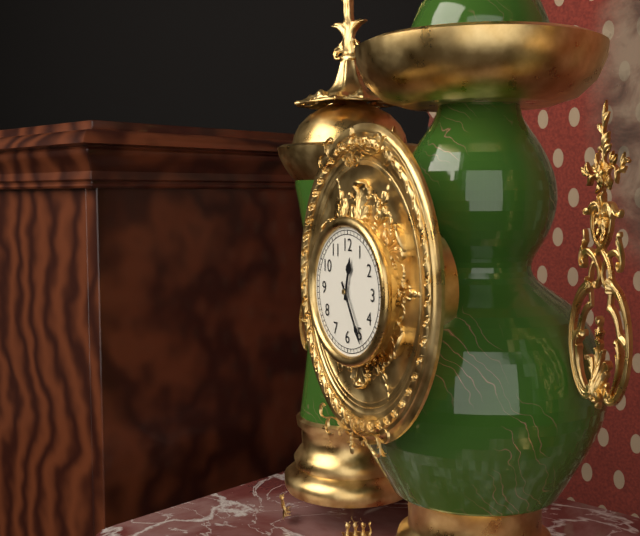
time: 12:25
